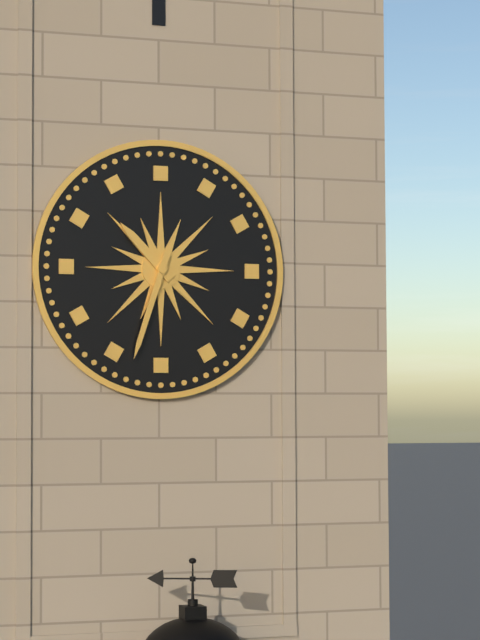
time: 10:33
